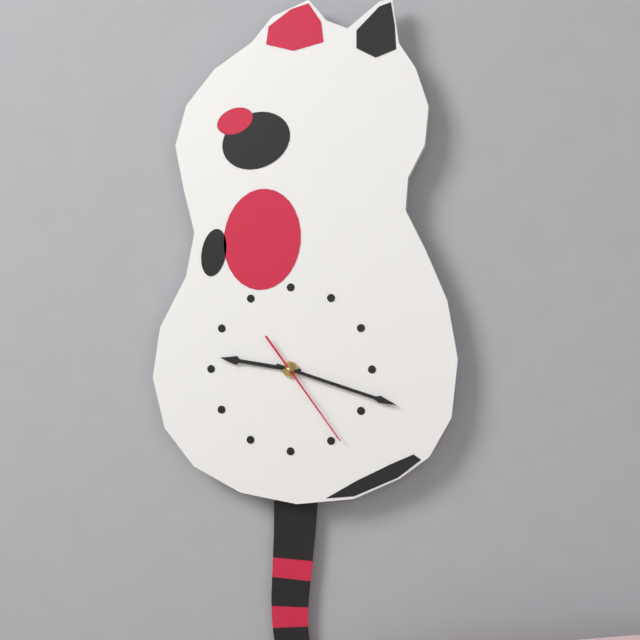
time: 9:18:24
